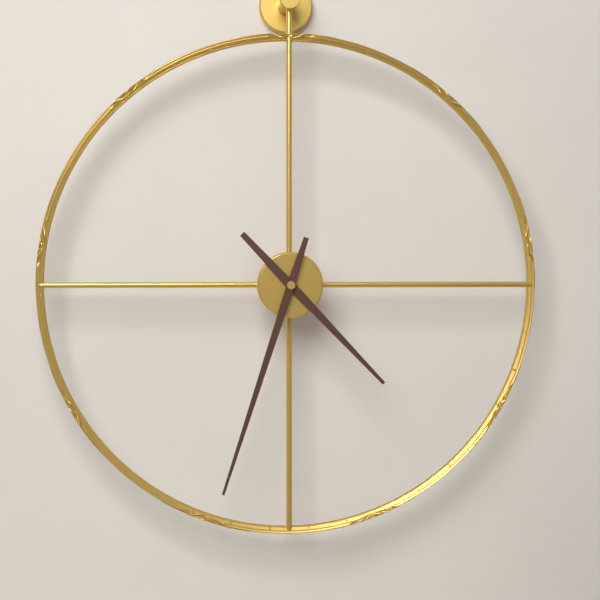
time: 4:33
